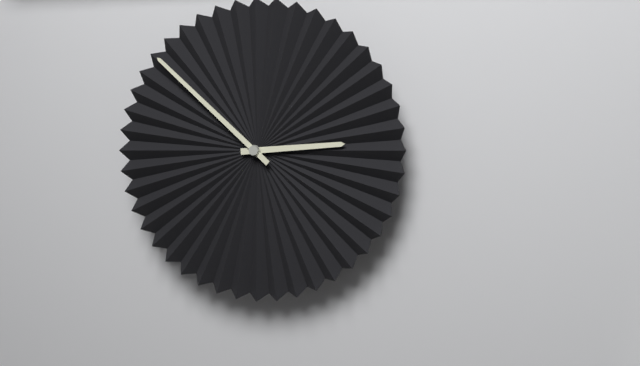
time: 2:52
